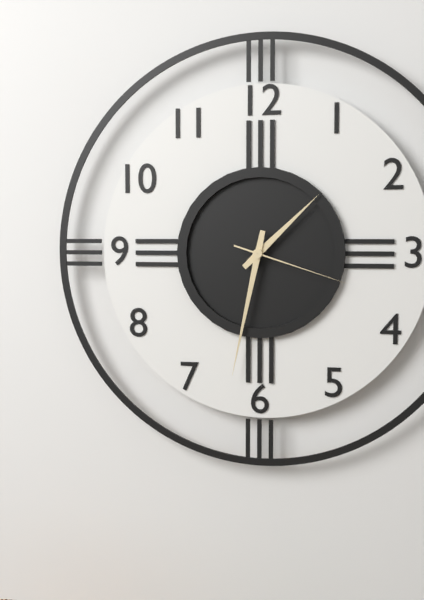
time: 1:32:18
